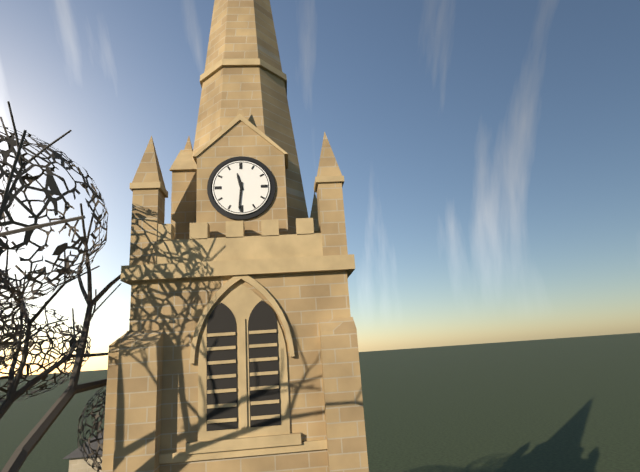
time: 11:31
